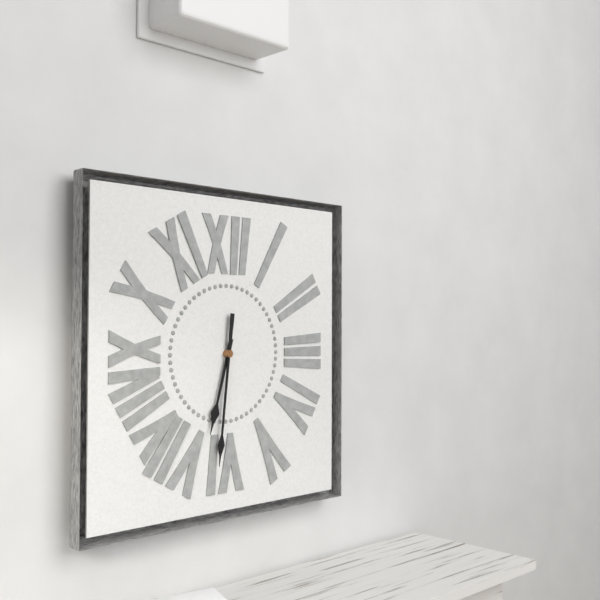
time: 6:31
